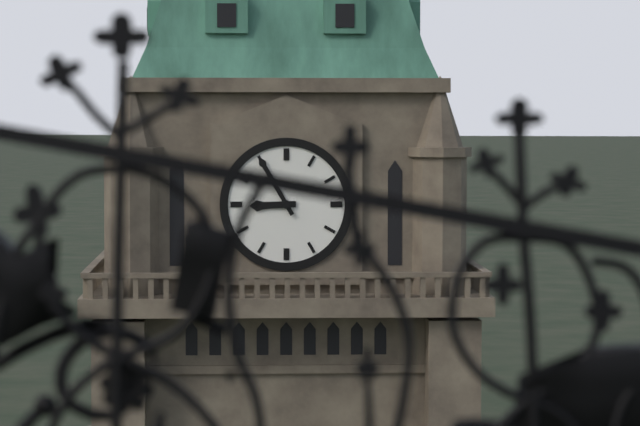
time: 8:55
